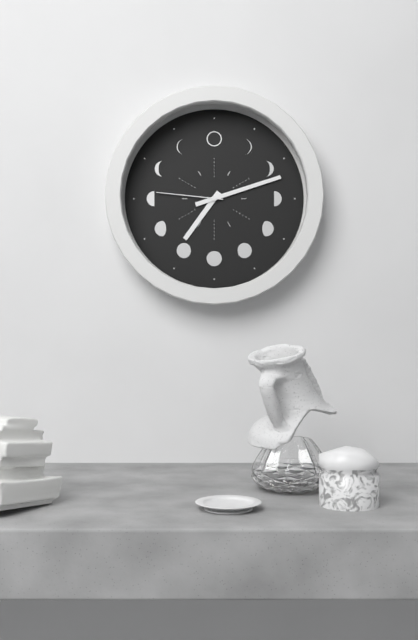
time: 7:12:46
